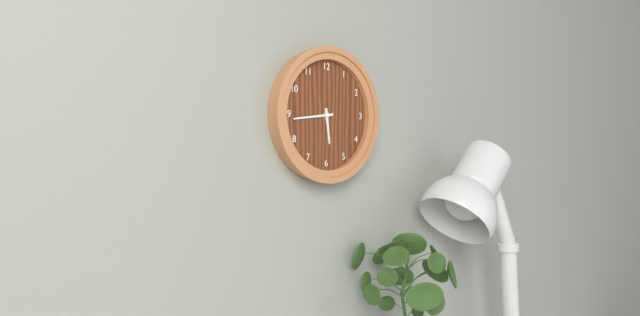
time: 5:44
